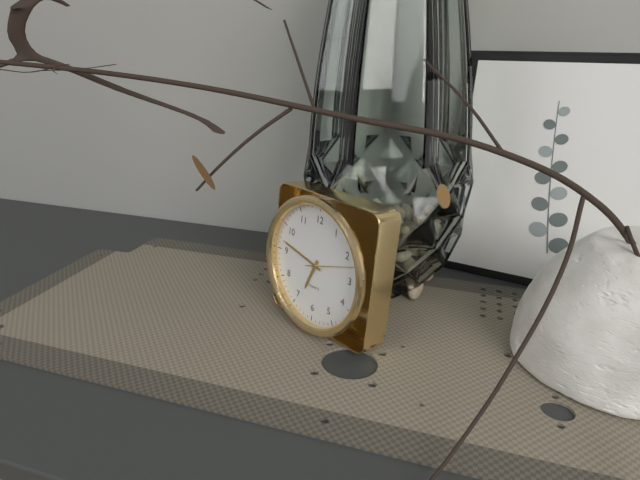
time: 6:47
